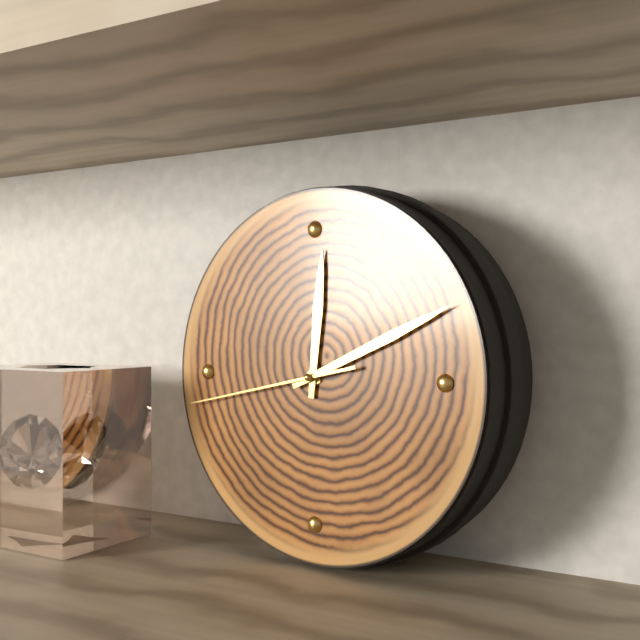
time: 12:11:43
